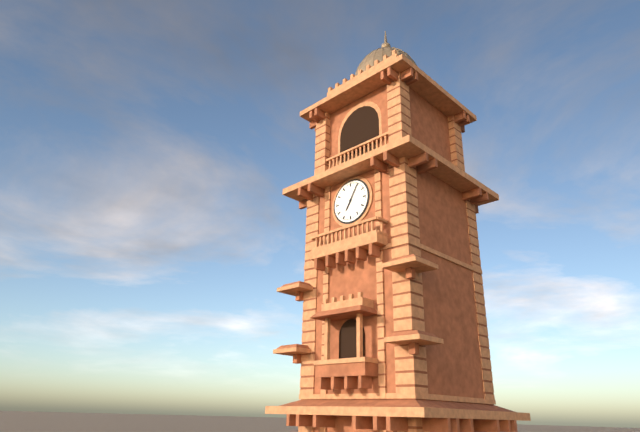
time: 7:05
